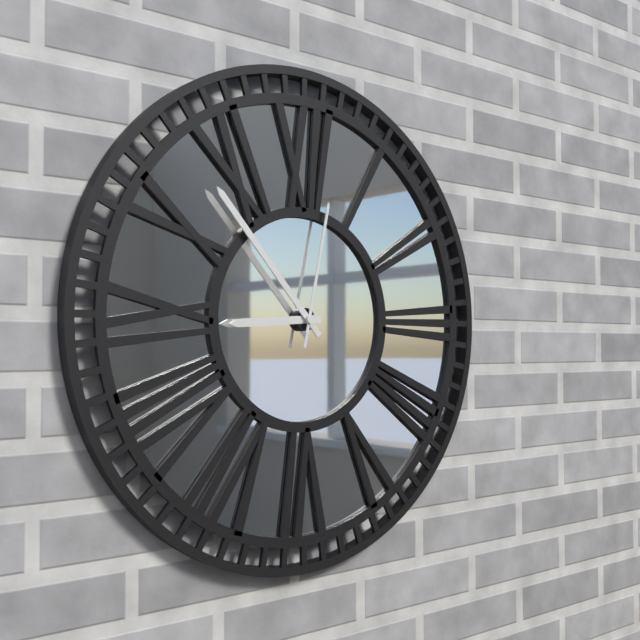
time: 8:53:02
